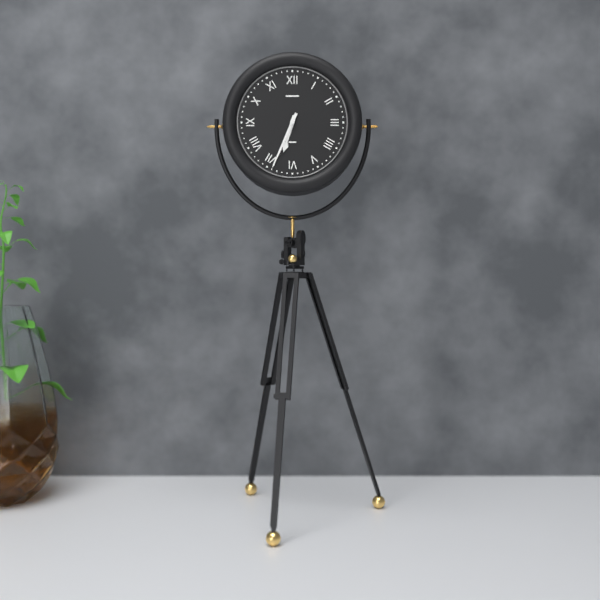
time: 6:34
